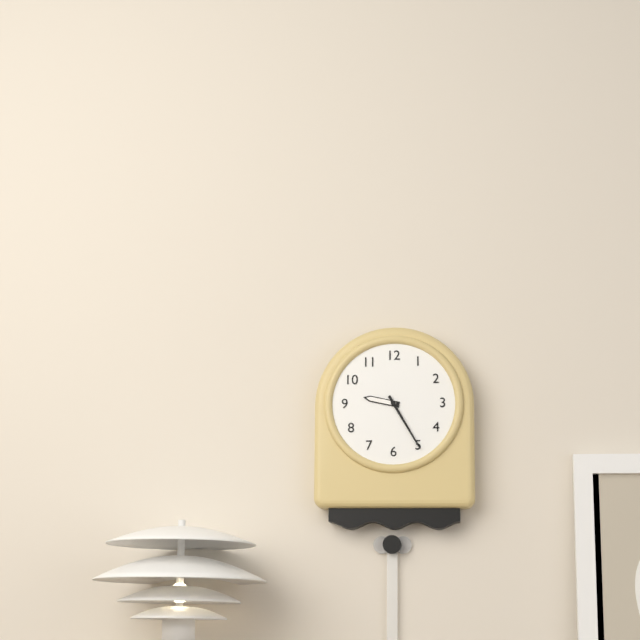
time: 9:25
